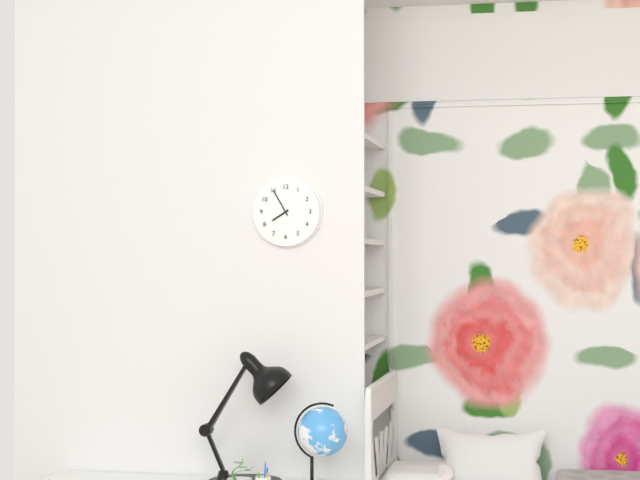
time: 7:55
